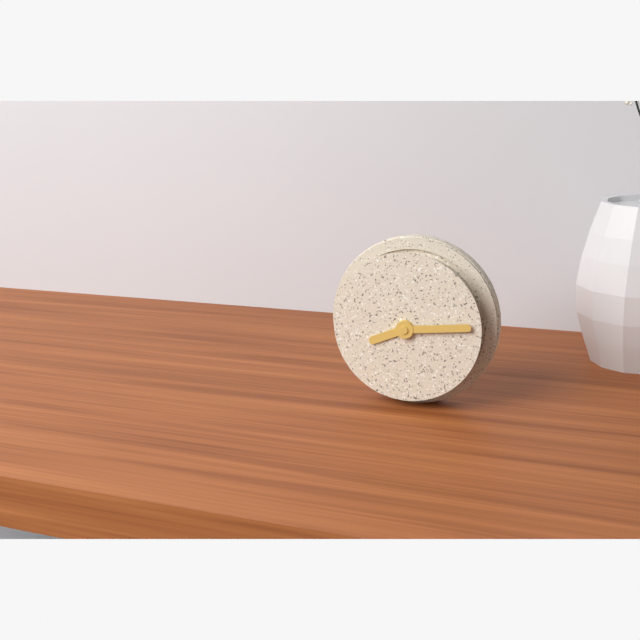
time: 8:14
